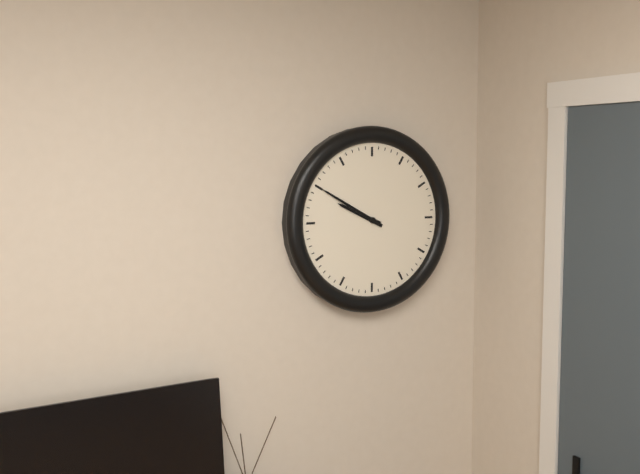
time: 9:50
